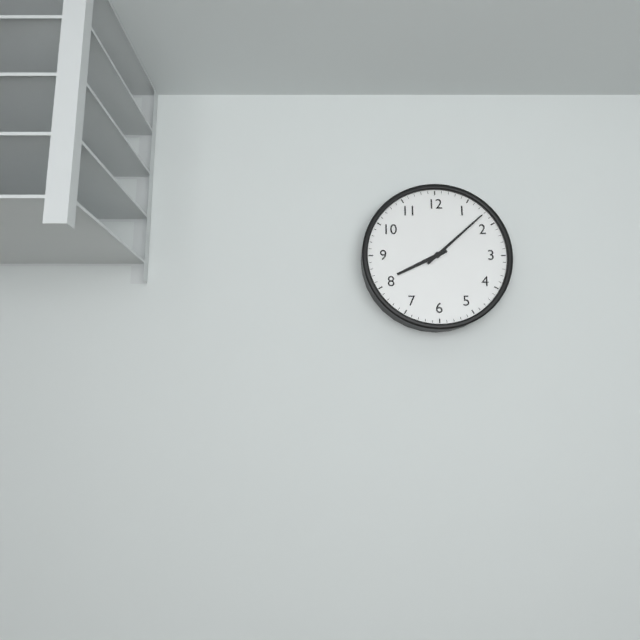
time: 8:08
